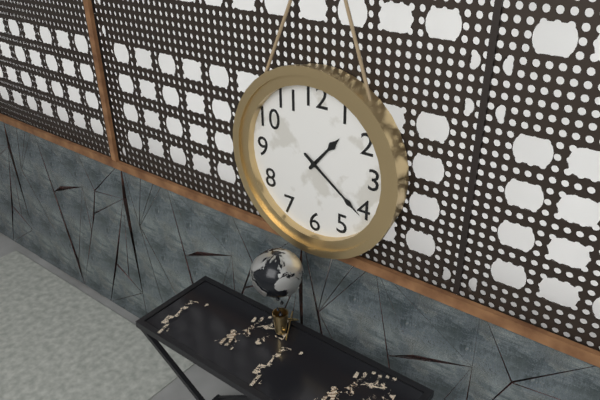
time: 1:21
